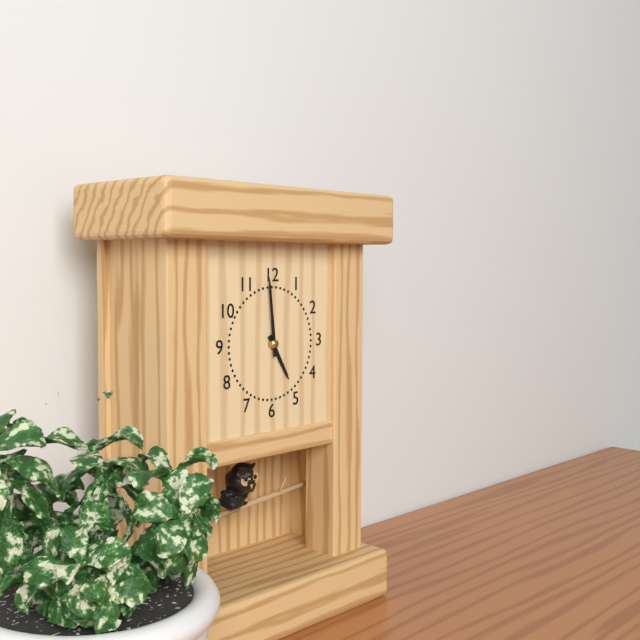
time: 4:59
